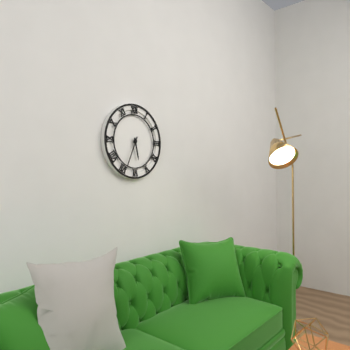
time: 5:34
